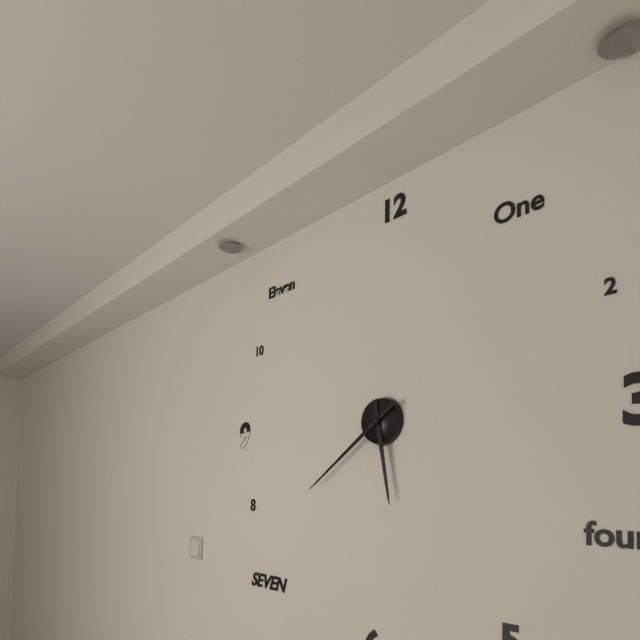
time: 5:39
